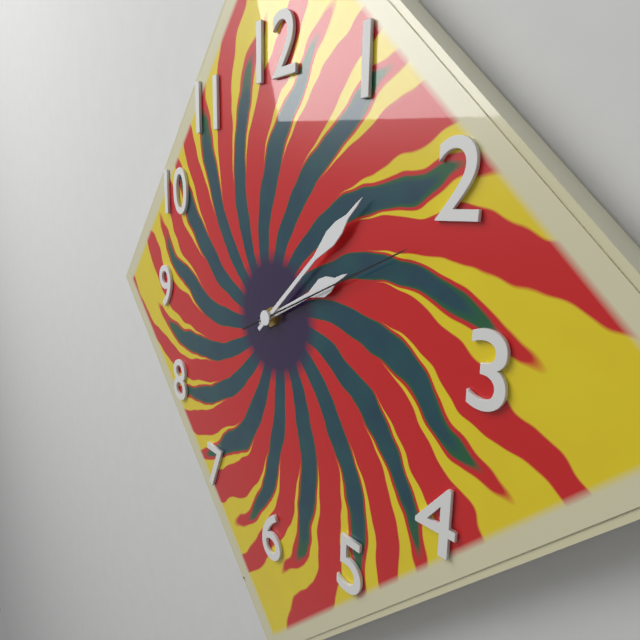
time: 2:08:11
